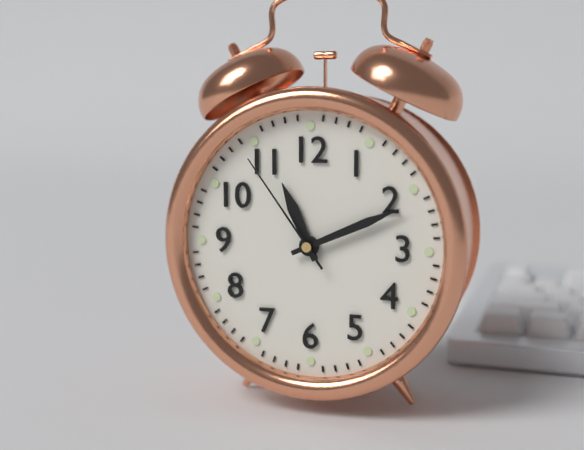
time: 11:11:54
